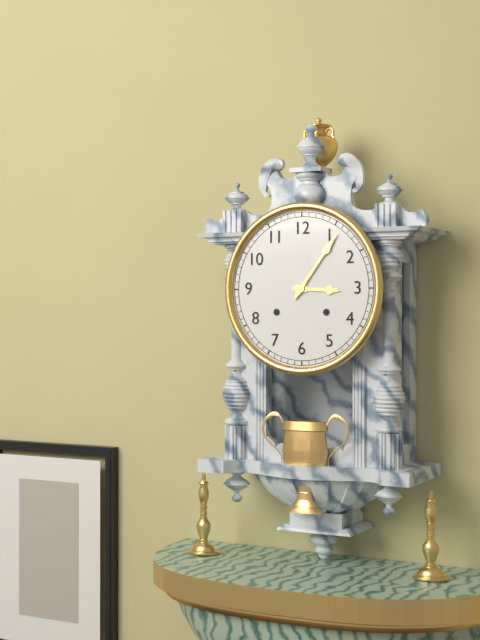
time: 3:06
